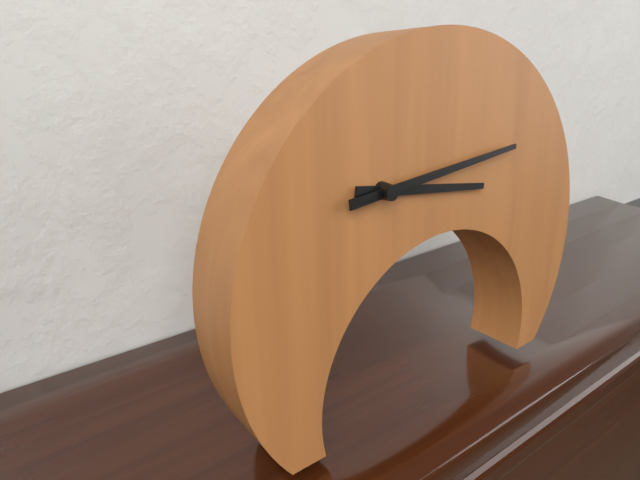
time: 3:14
